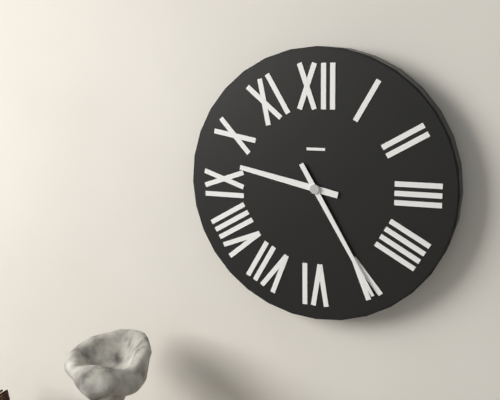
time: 9:25
